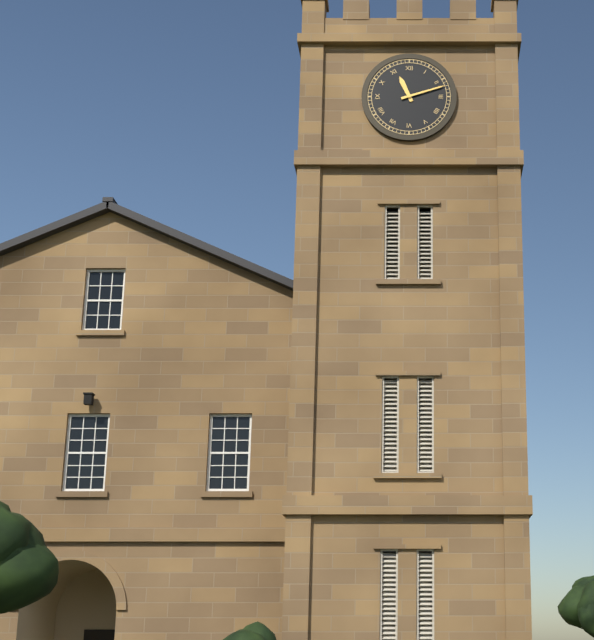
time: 11:12
